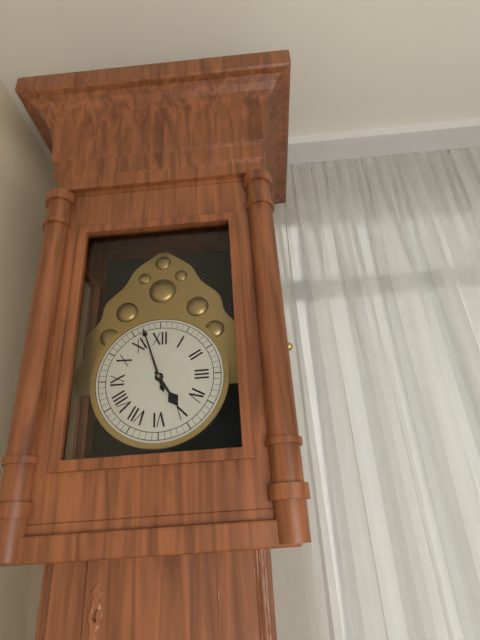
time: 4:57
